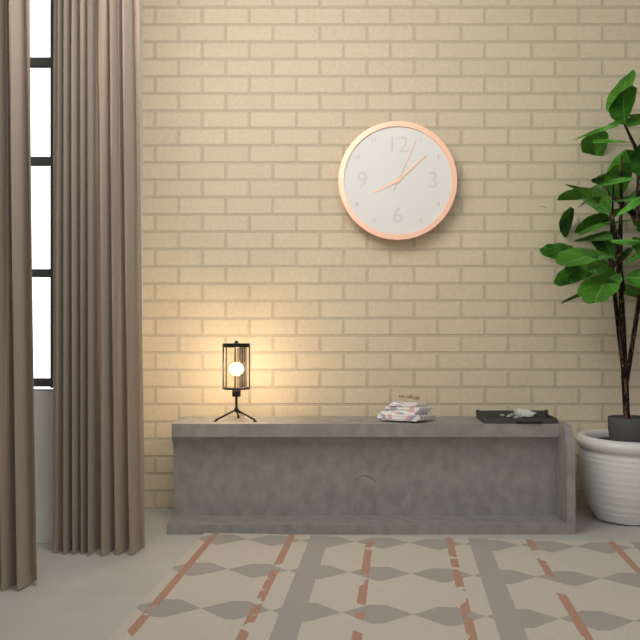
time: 8:08:04
